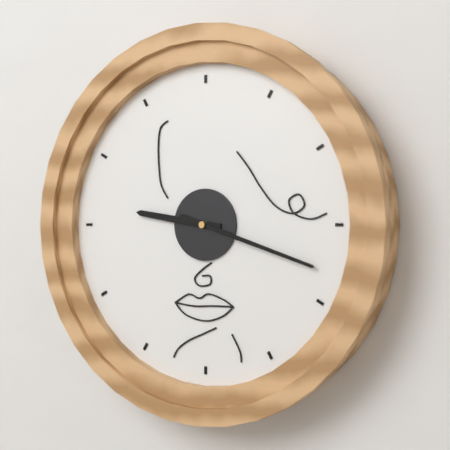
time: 9:18
